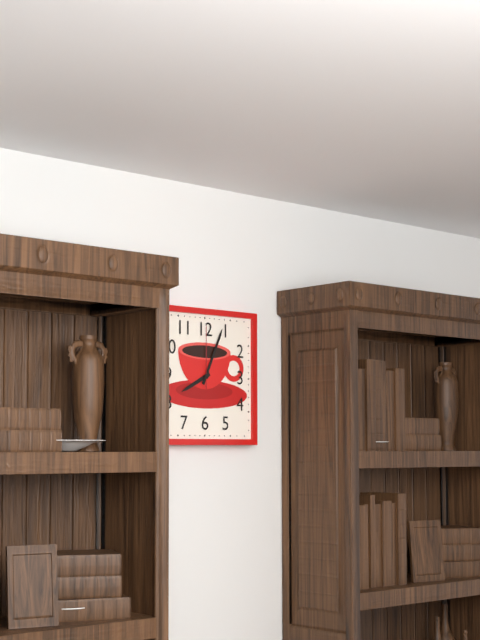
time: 8:04:00
